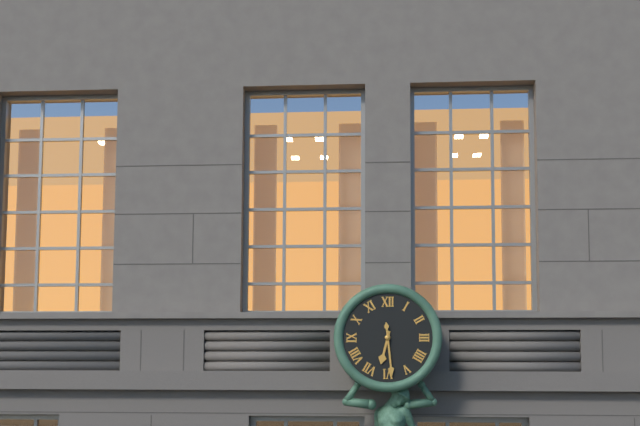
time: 6:29
